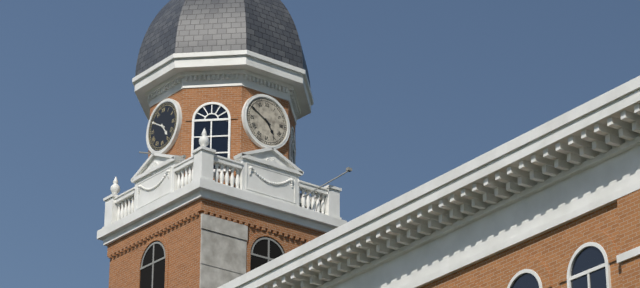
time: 4:50
